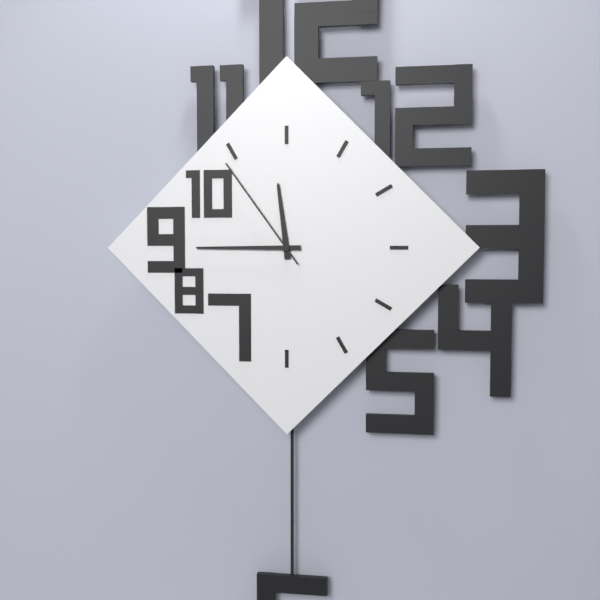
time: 11:45:54
